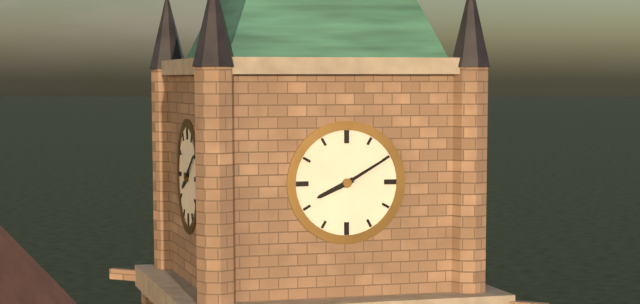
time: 8:10
